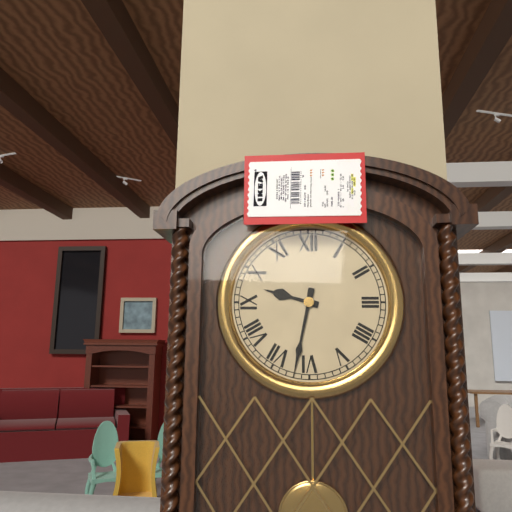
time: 9:32
